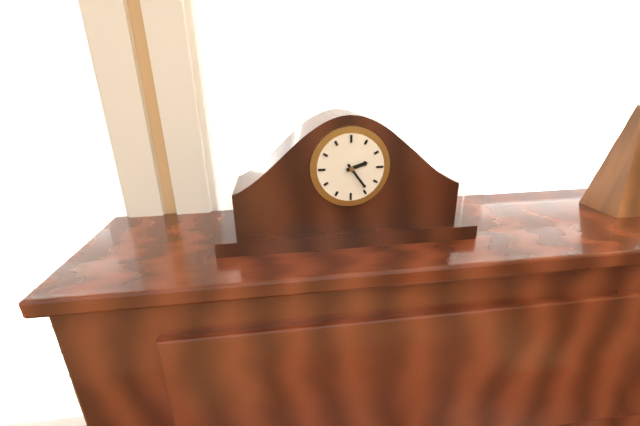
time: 2:24
